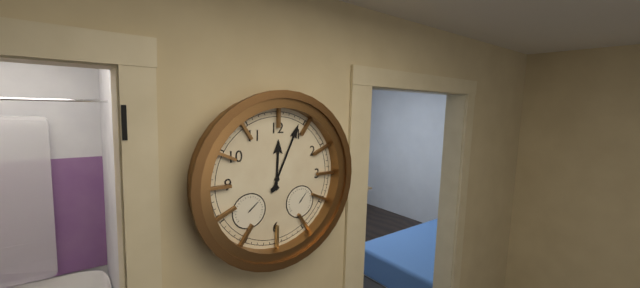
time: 12:04
